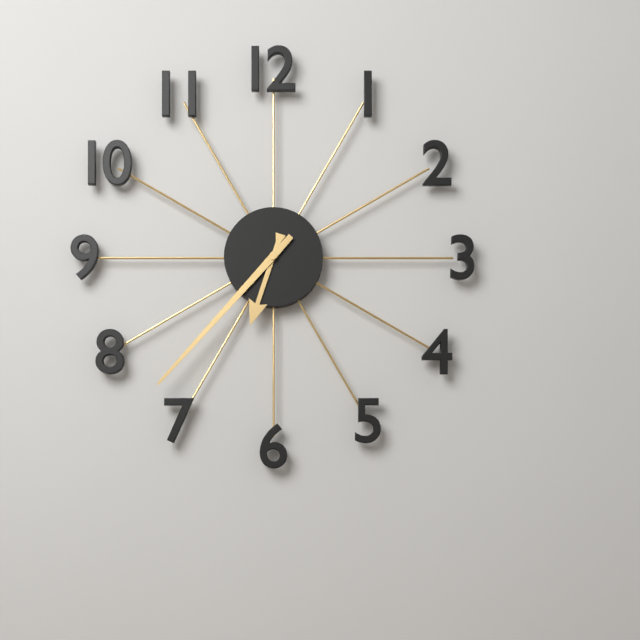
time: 6:37
